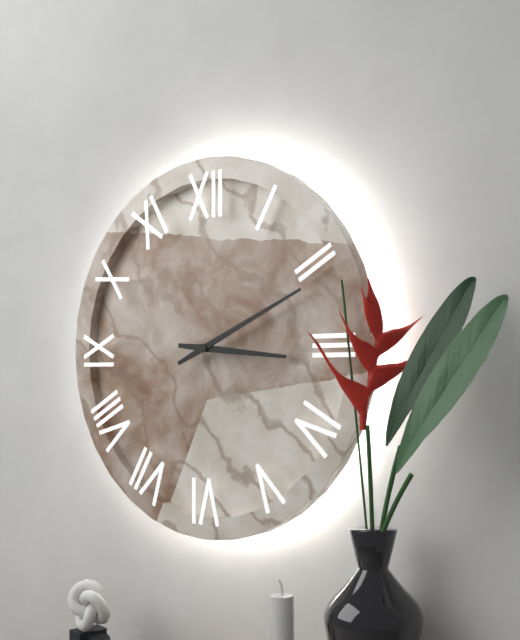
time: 3:11
